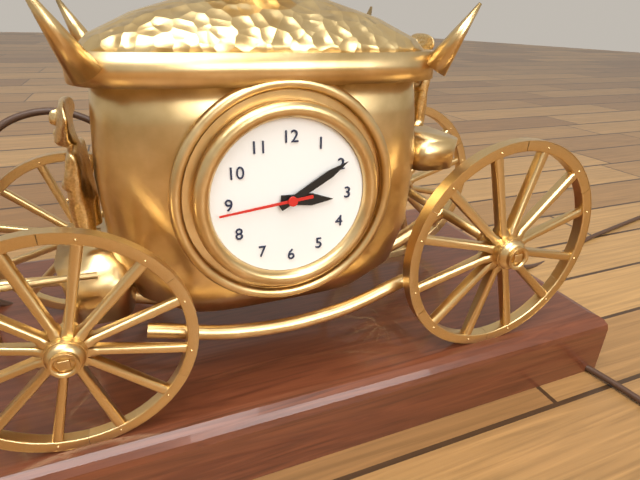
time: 3:10:44
